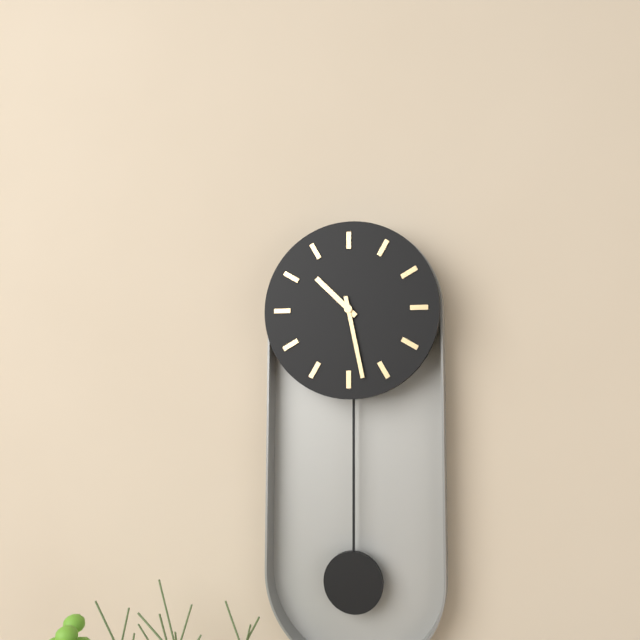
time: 10:28
